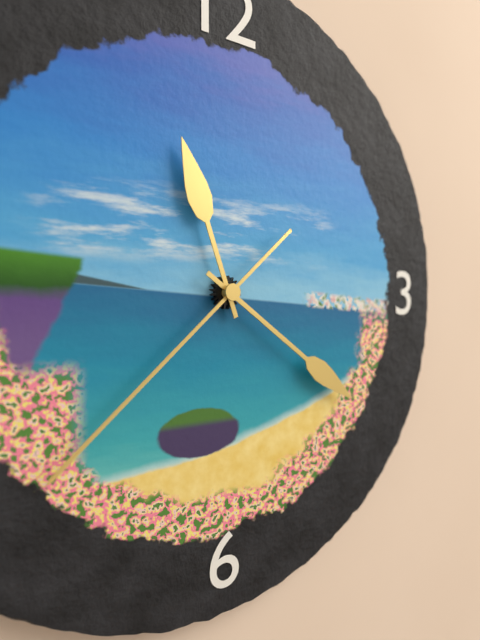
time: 11:21:38
